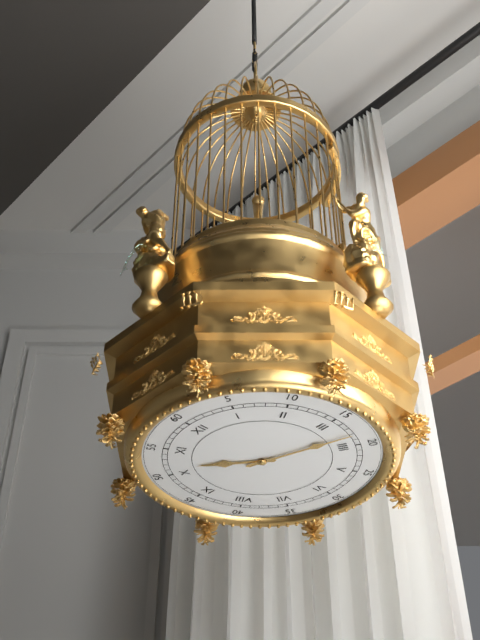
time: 10:18
